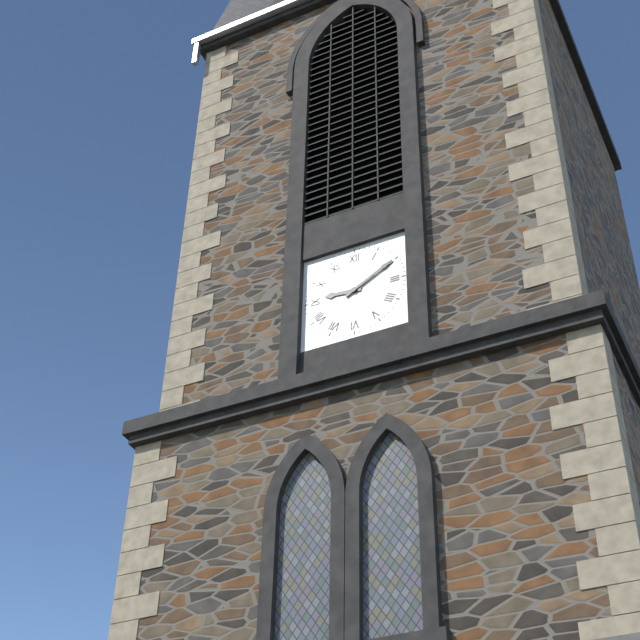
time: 9:10
